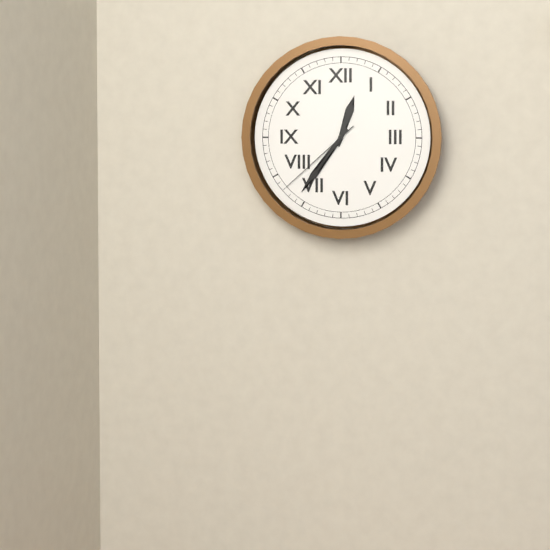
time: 12:36:38
